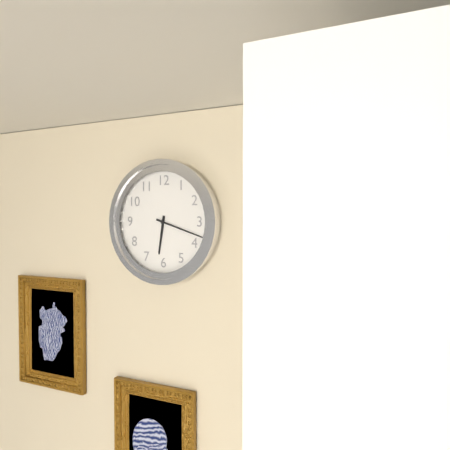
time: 6:18
